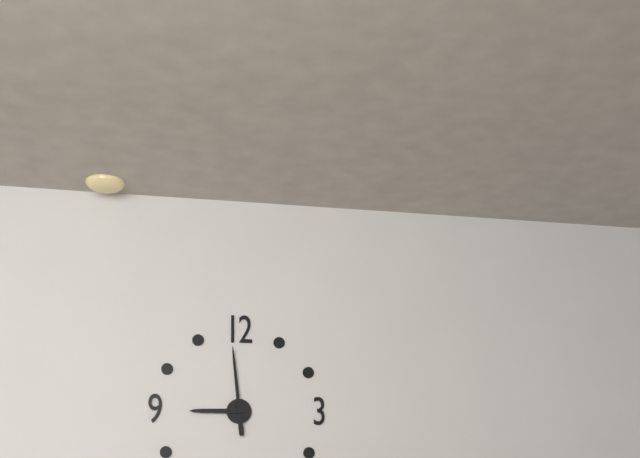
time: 8:59
